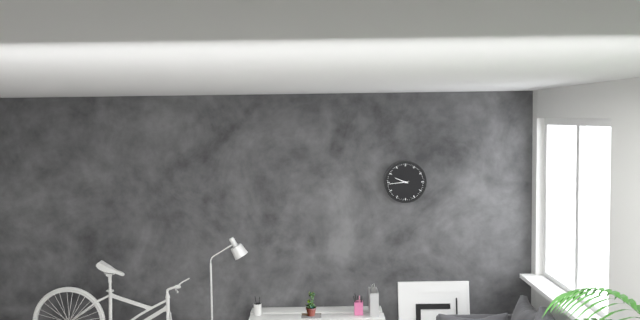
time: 9:44
